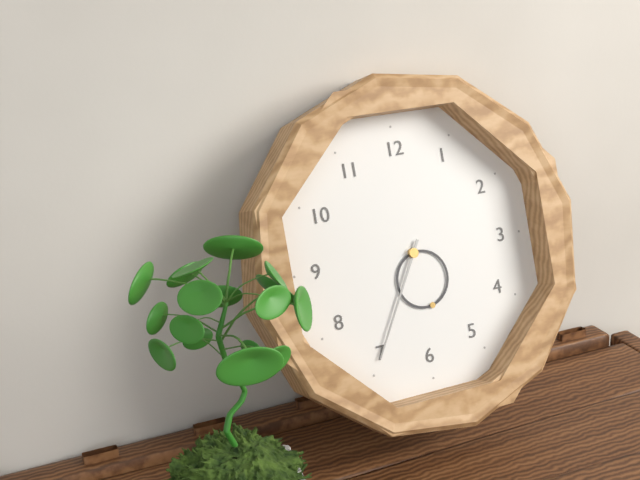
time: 5:35
